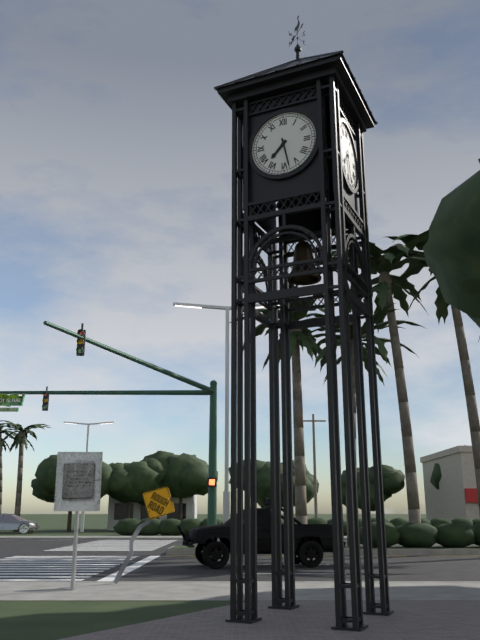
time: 7:28
